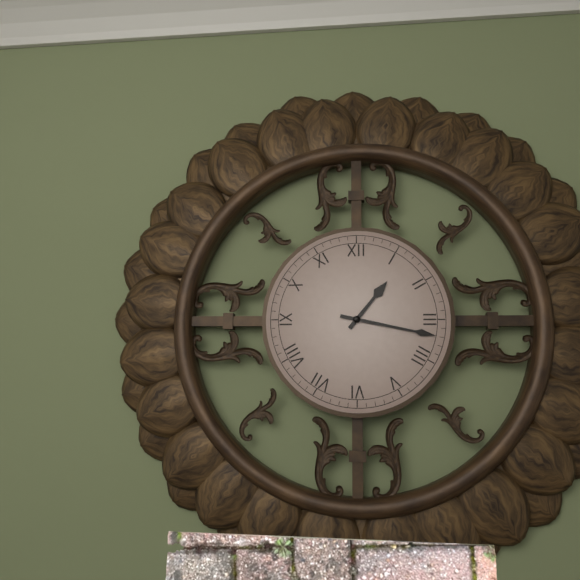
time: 1:17
